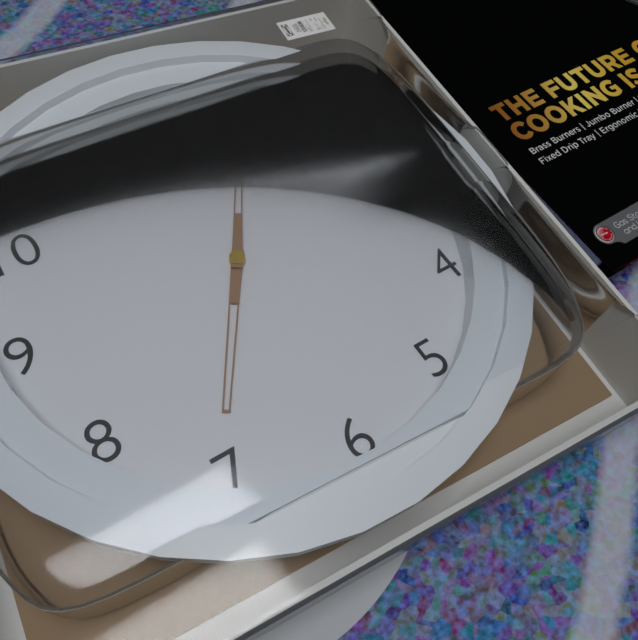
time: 7:05
